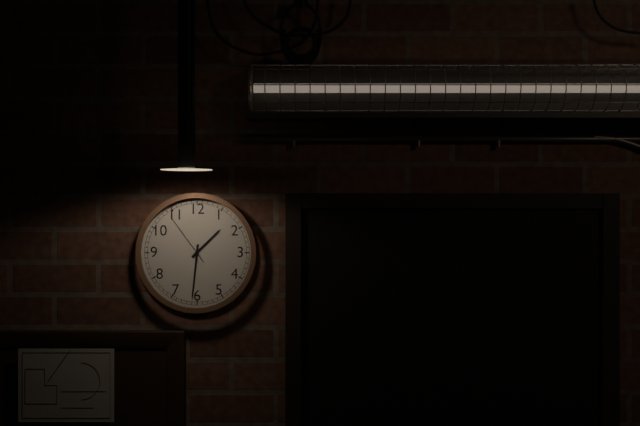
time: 1:31:54
